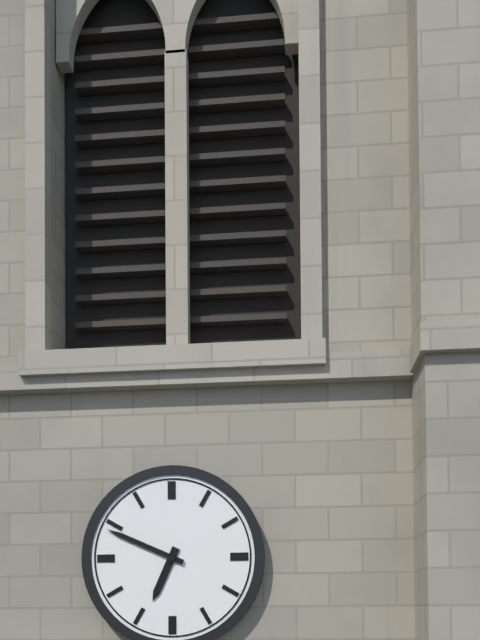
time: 6:49
